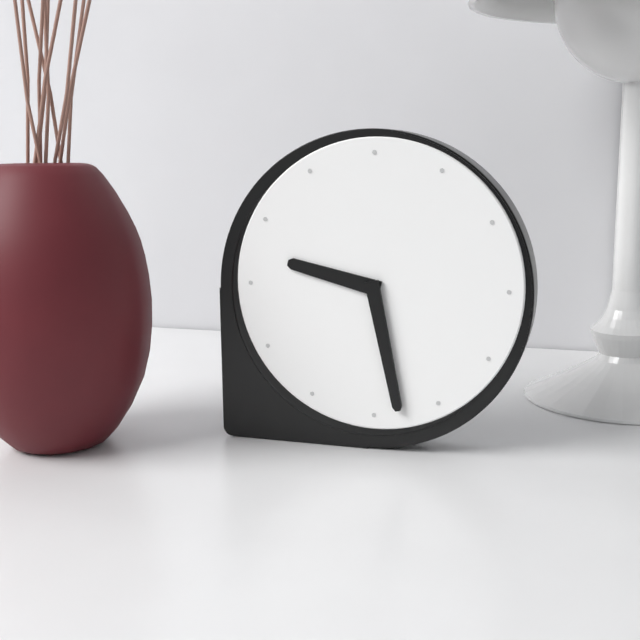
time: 9:28
